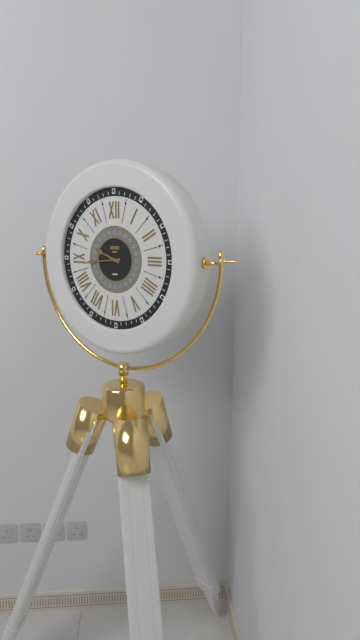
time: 9:44
